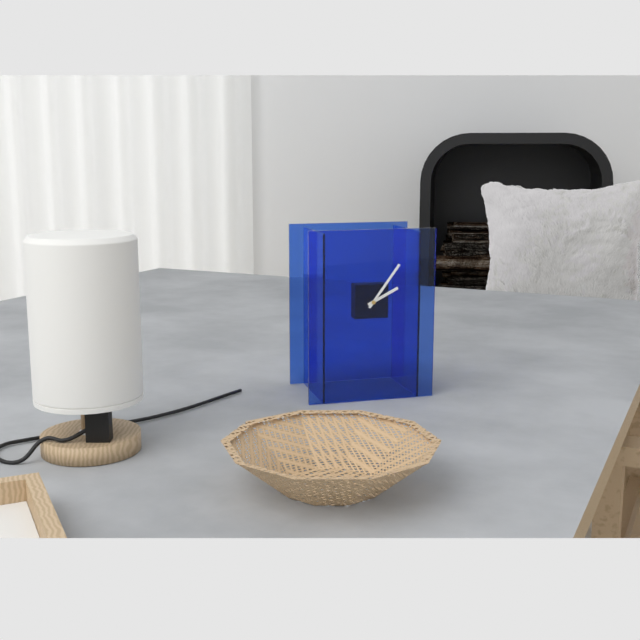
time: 2:06
